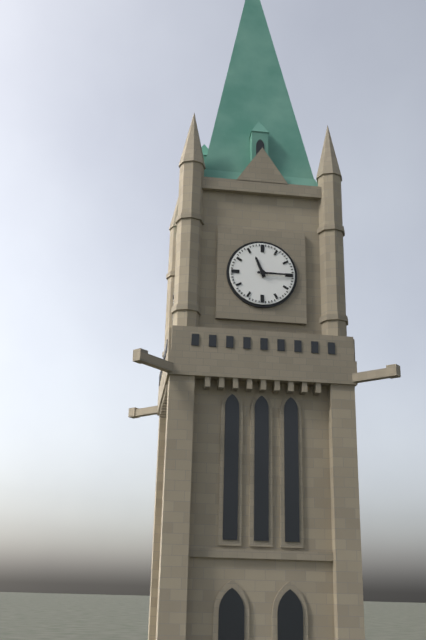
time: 11:15
